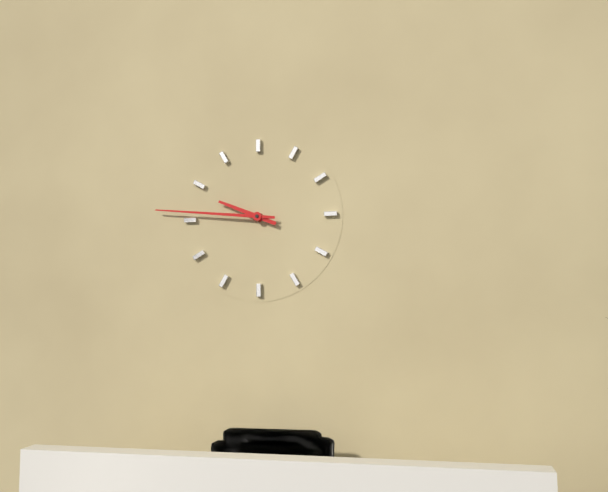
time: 9:46
